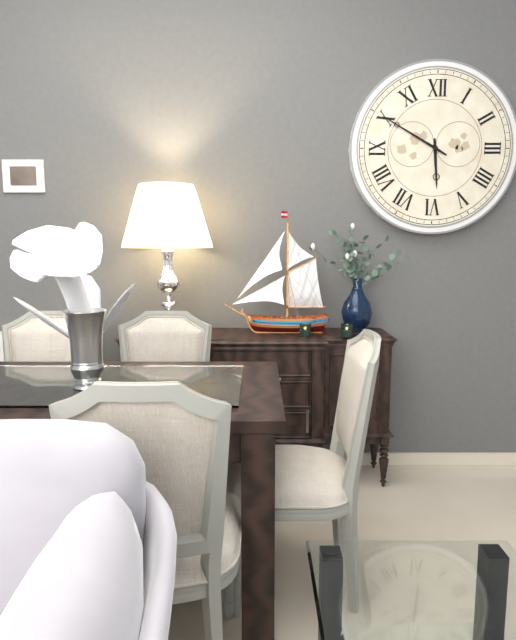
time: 5:50
